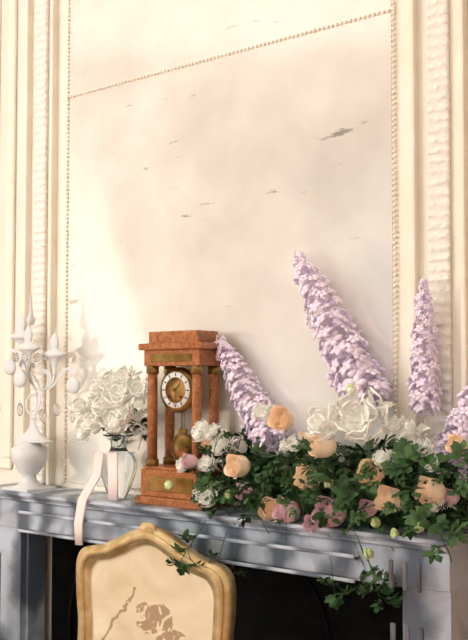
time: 1:30
